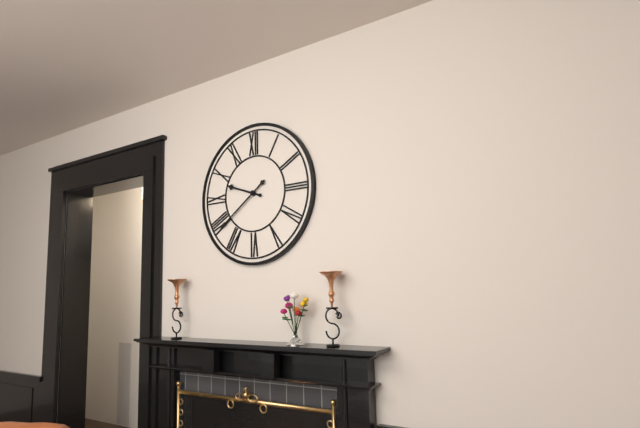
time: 9:39
